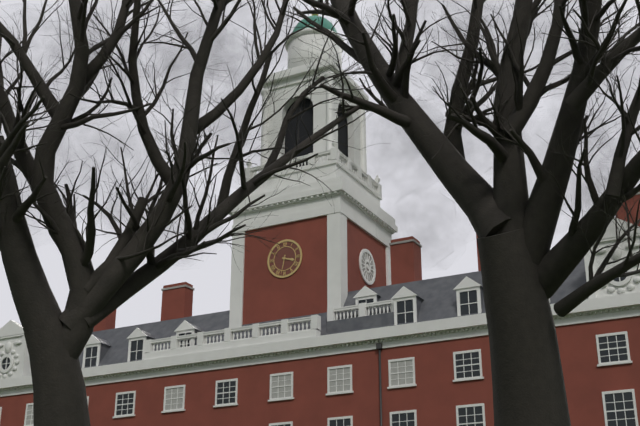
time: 3:32
